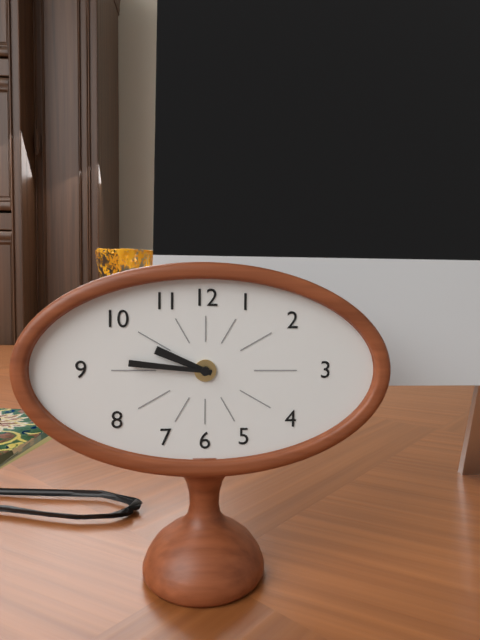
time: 9:46
